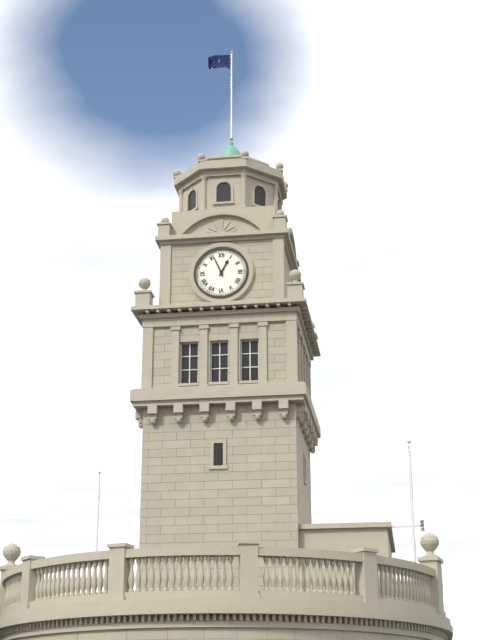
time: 12:56
